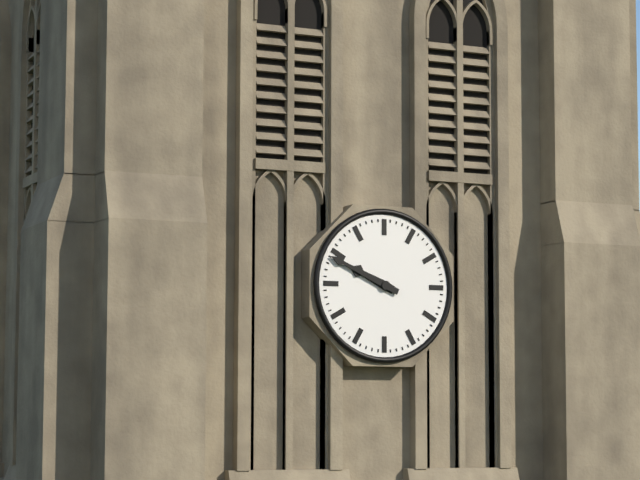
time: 9:49
